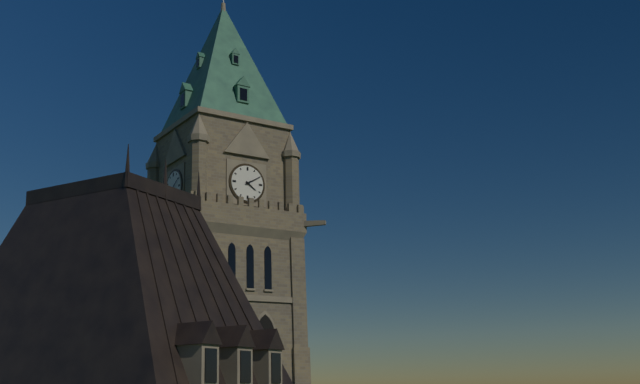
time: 4:10
